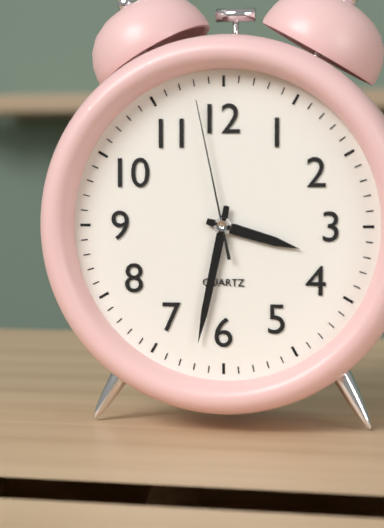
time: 3:32:58
